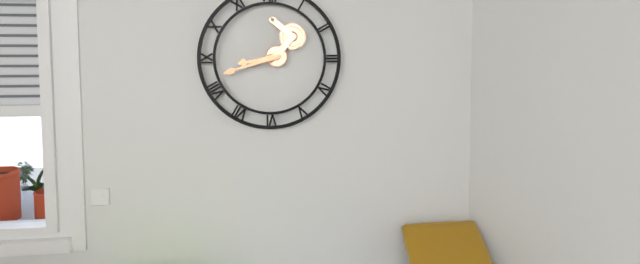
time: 8:42
